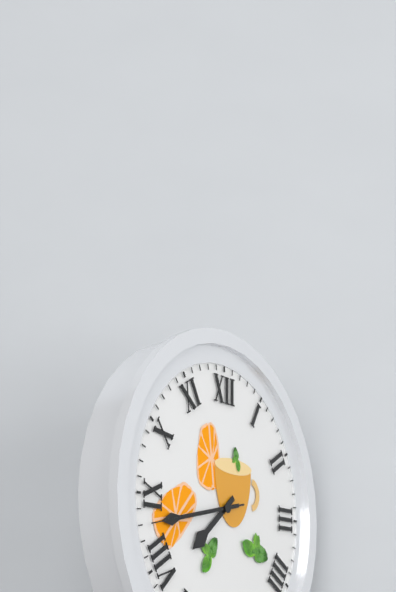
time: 7:43:43
